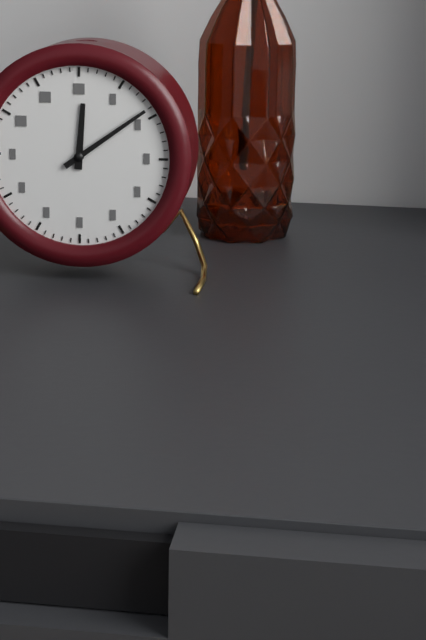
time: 12:09
